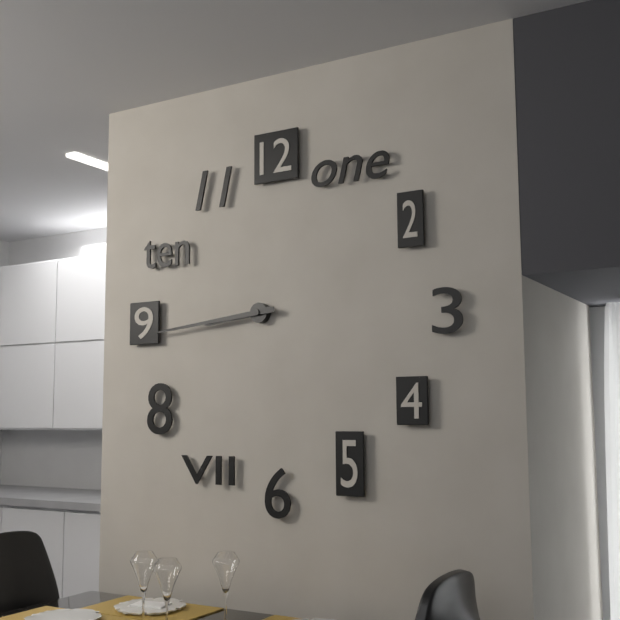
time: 8:44
